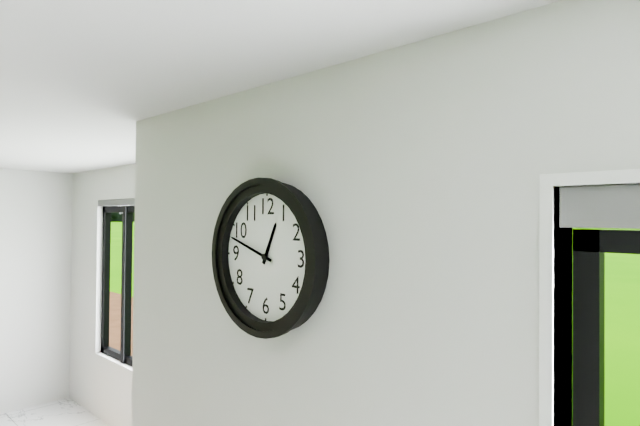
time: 12:48
